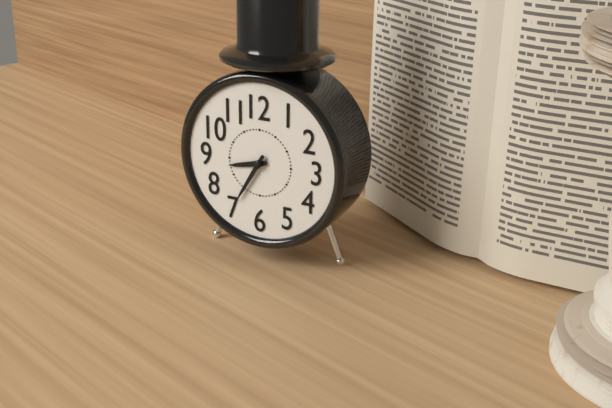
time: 8:35
